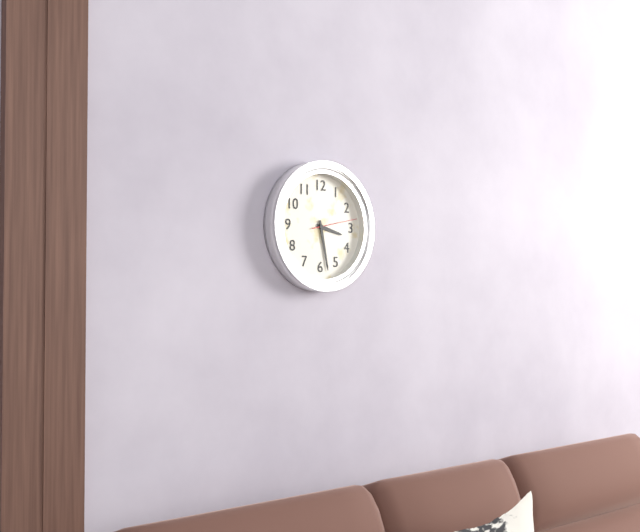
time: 3:28
